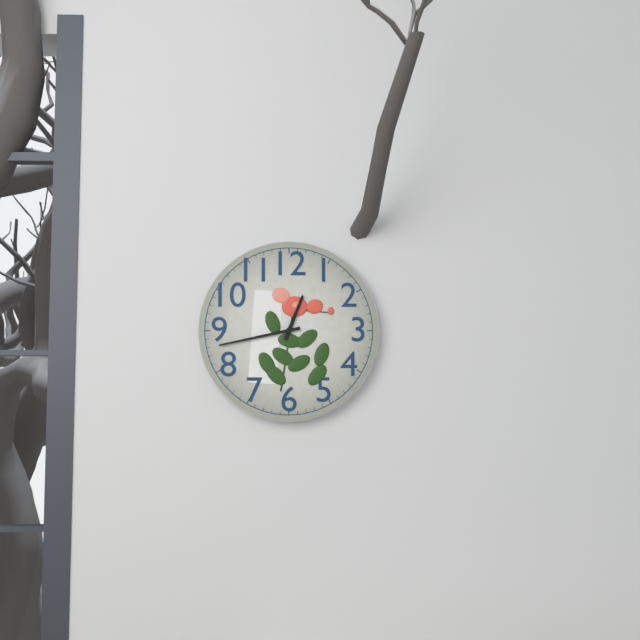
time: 12:43
